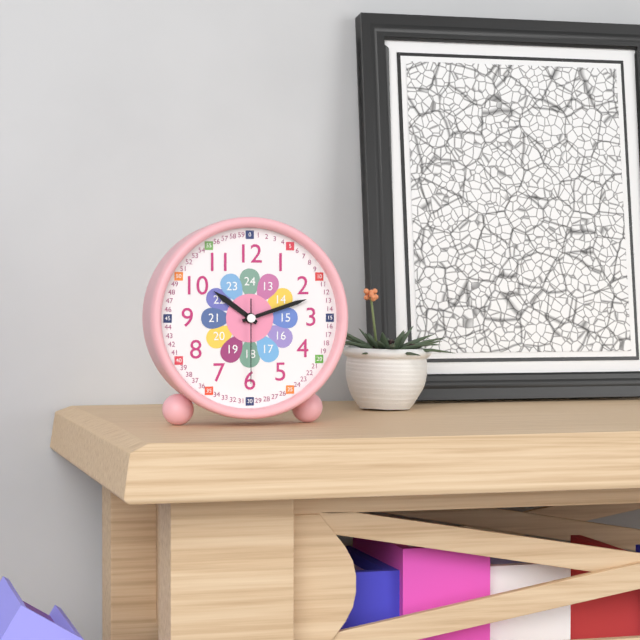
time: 10:12:30
